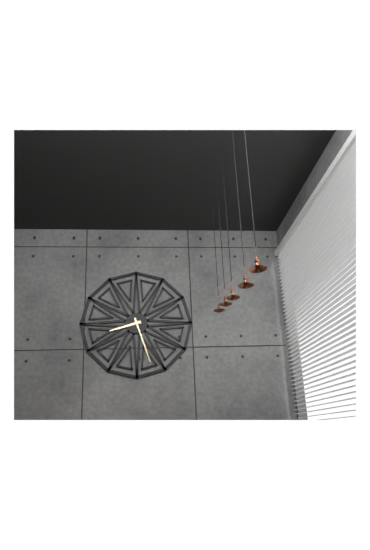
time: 8:27
